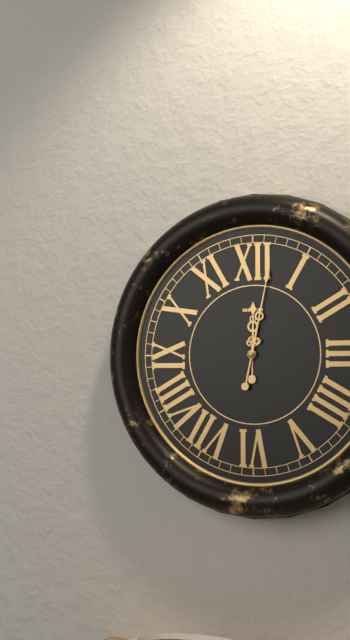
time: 12:02
